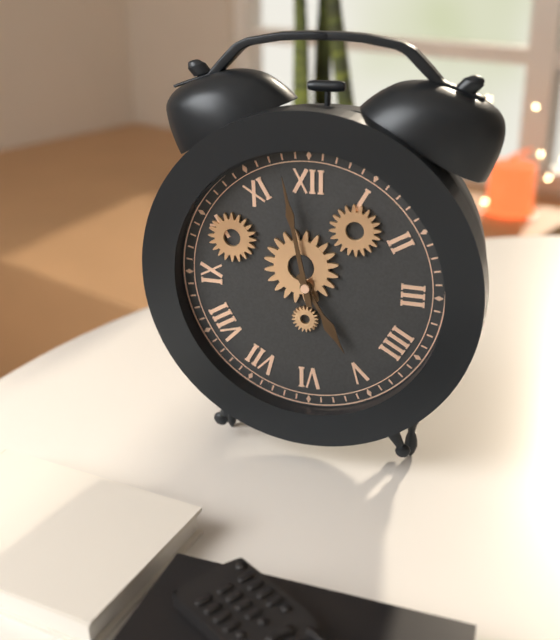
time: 4:58
